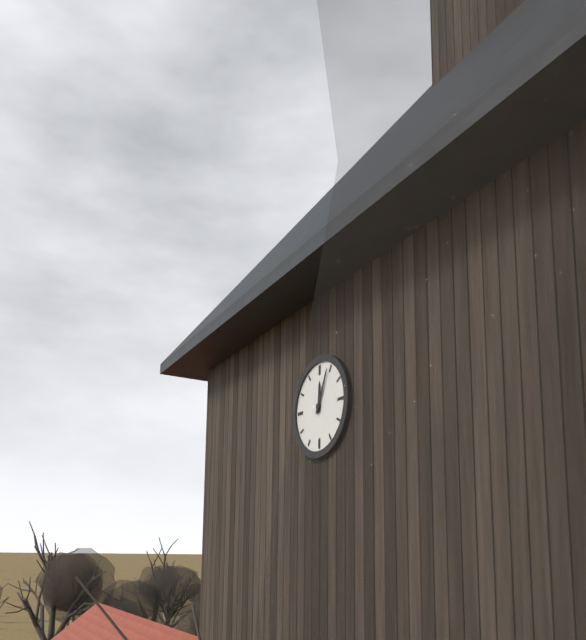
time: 12:04
